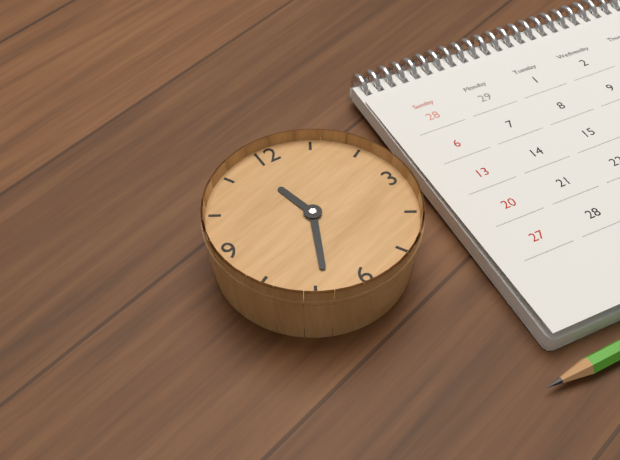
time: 11:34
